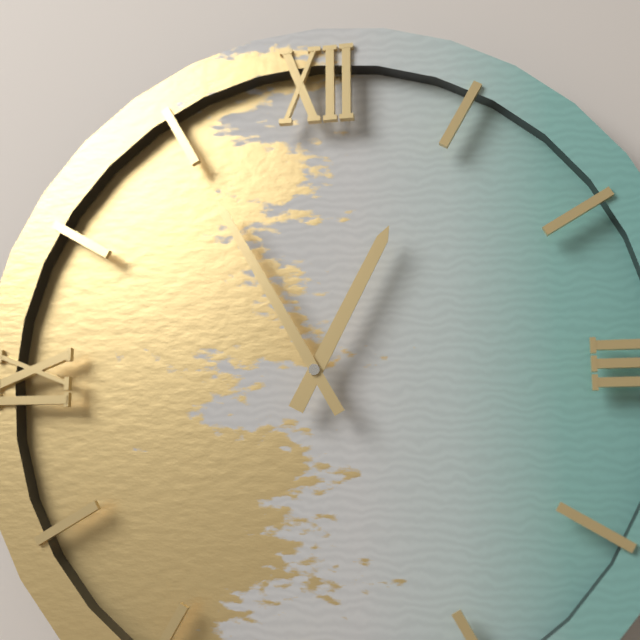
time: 12:55
